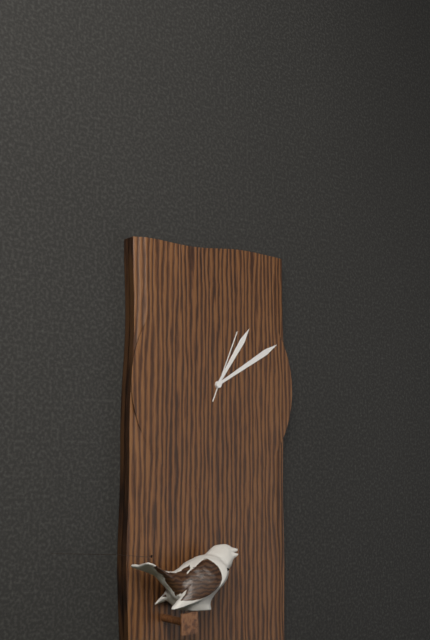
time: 1:10:04
